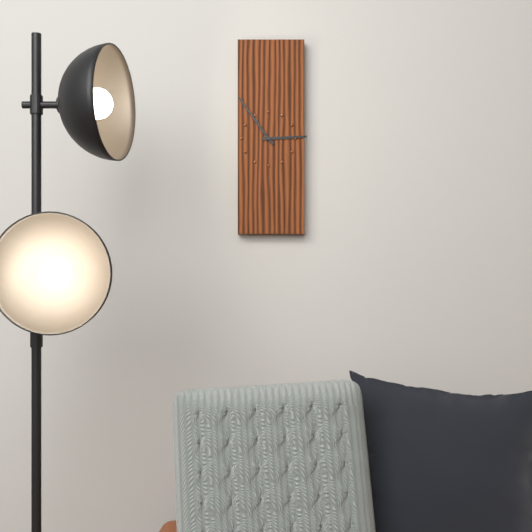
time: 2:54
